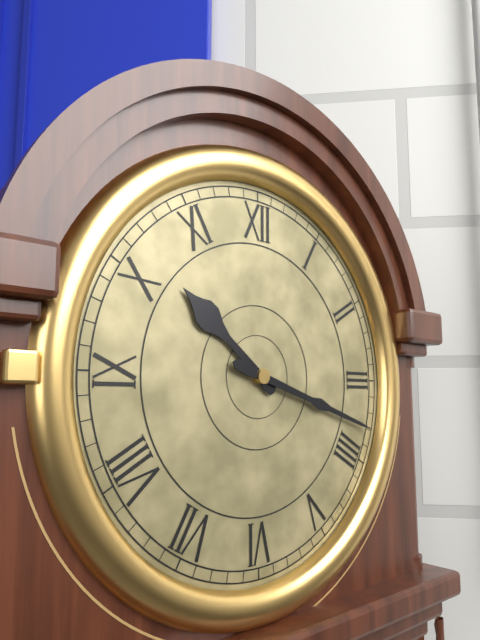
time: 10:18
